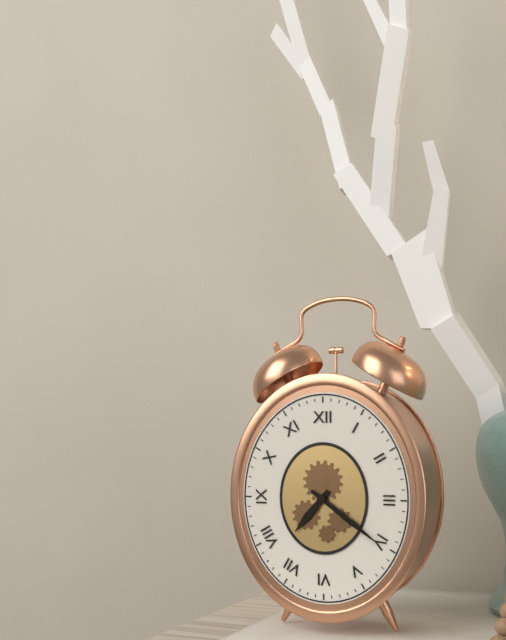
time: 7:21
